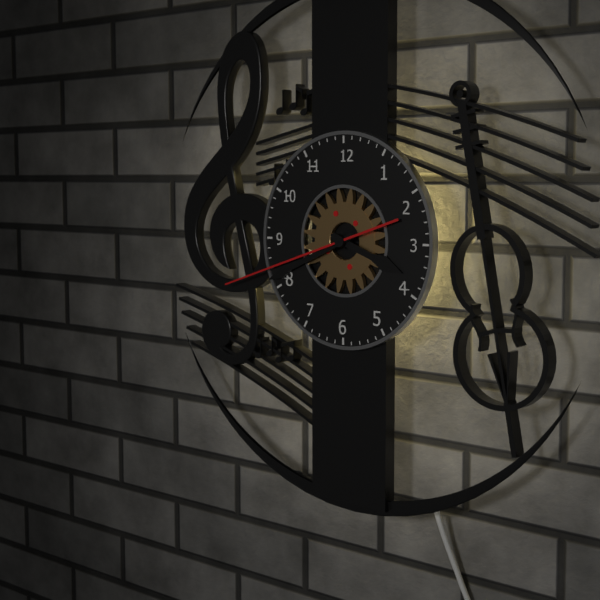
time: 3:41:42
